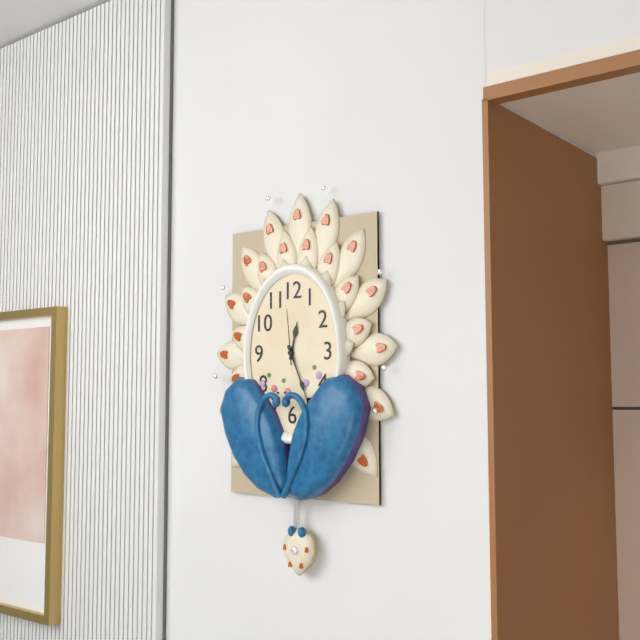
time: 12:26:59
